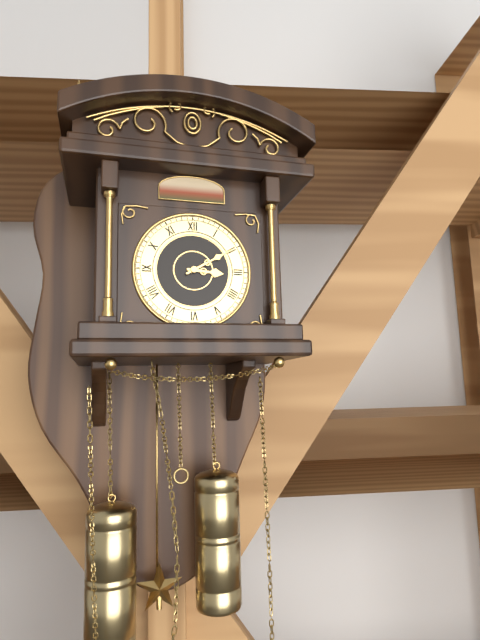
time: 3:10
